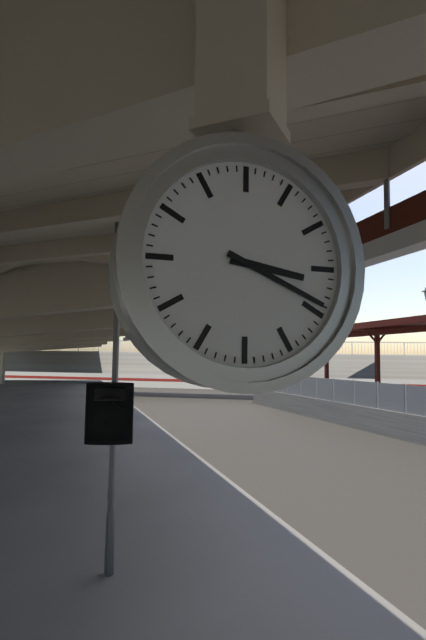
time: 3:19
